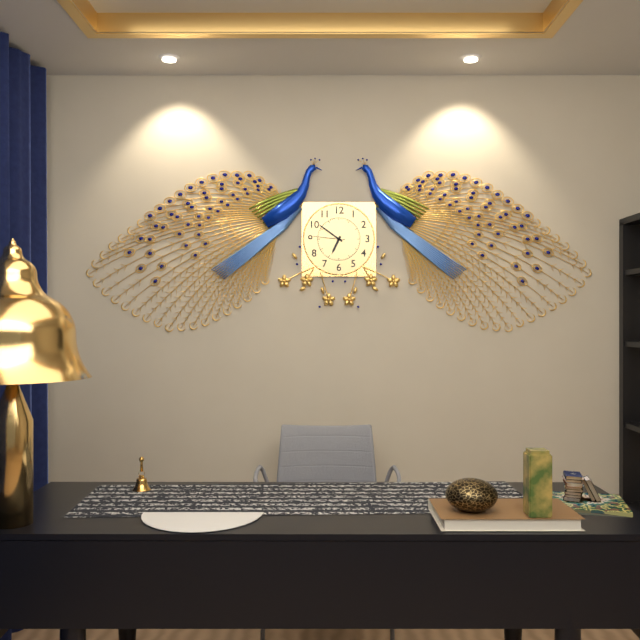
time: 6:51
